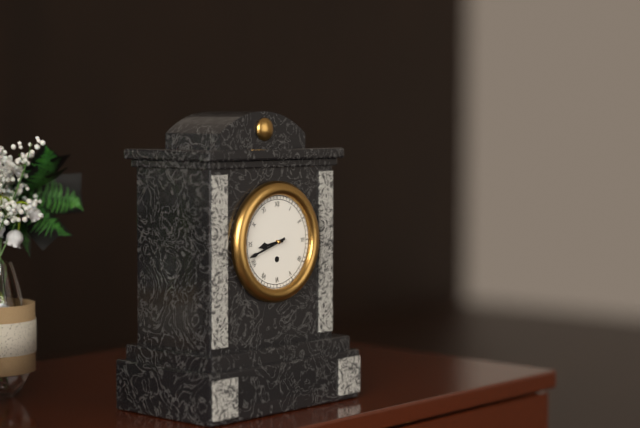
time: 8:42
